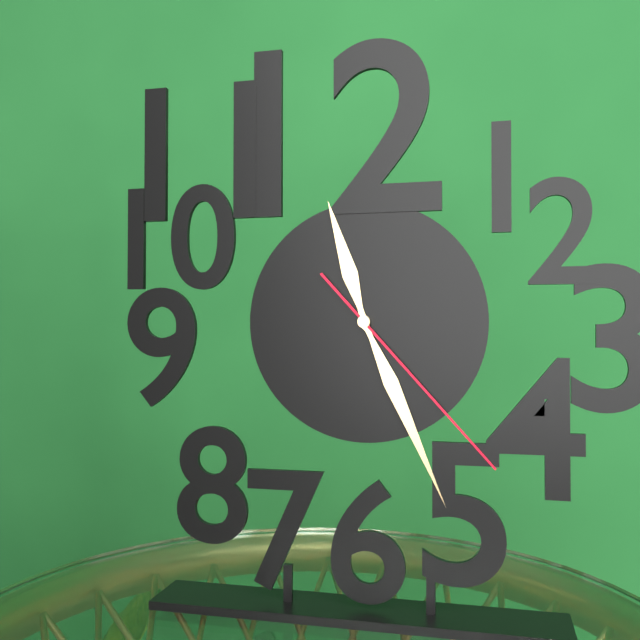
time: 11:26:23
